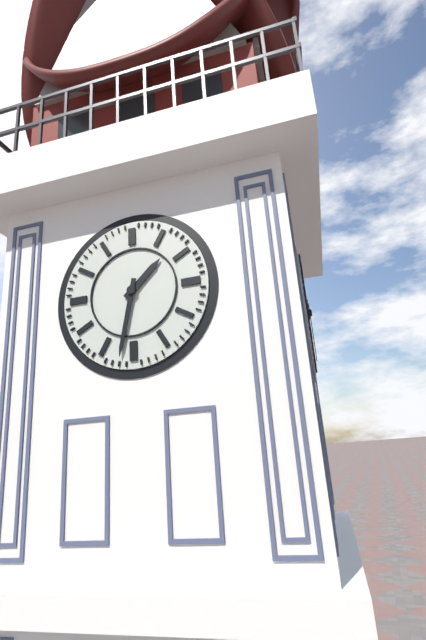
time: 1:32
